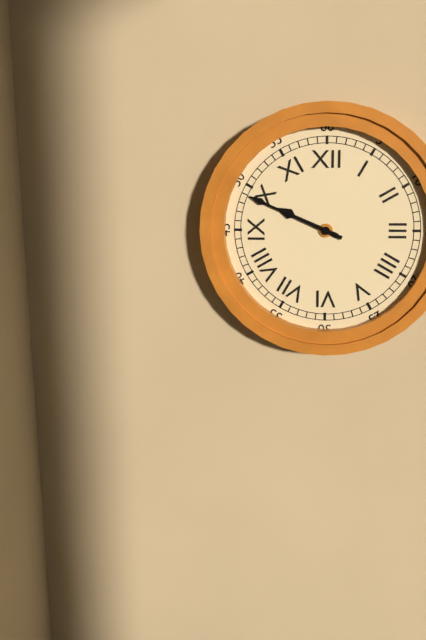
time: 9:49
